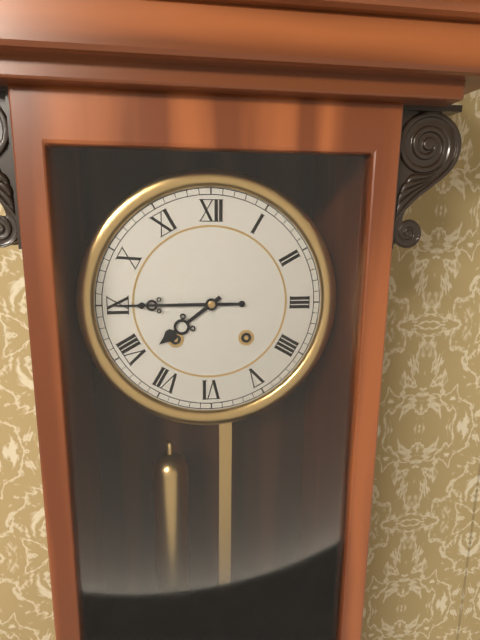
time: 7:45
